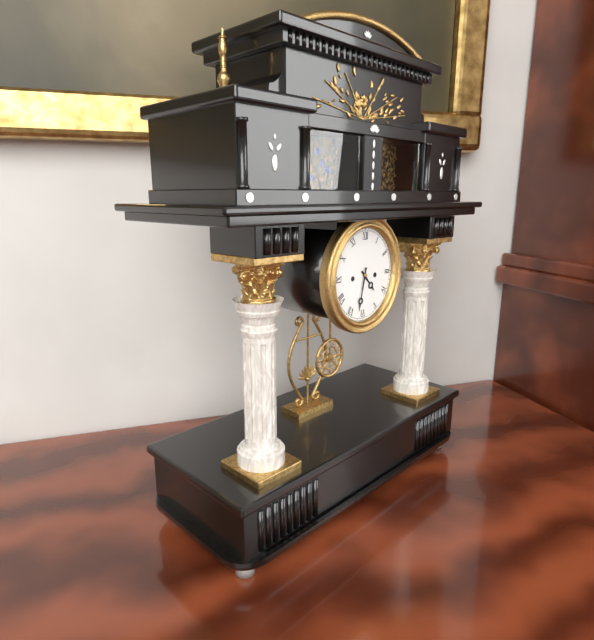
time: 4:32
